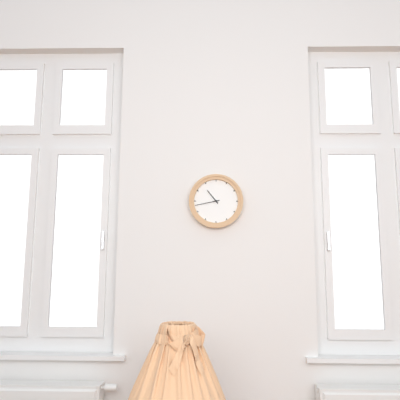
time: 10:43
